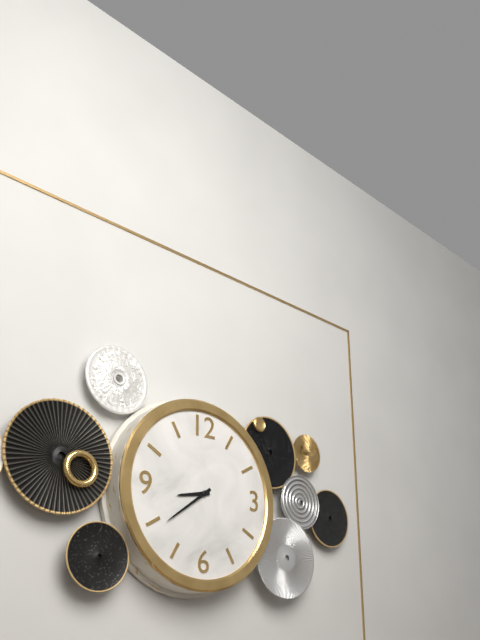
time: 8:39
